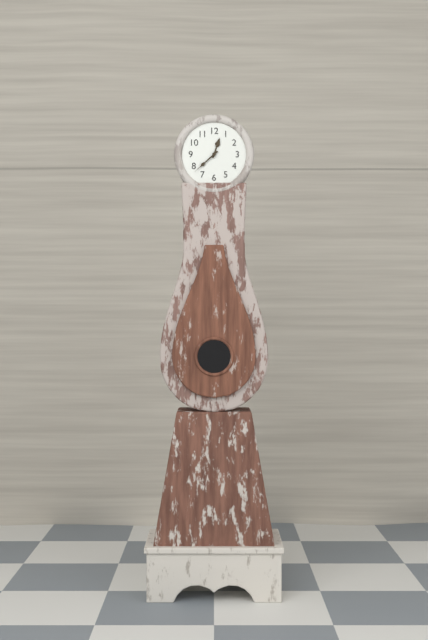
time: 12:38
